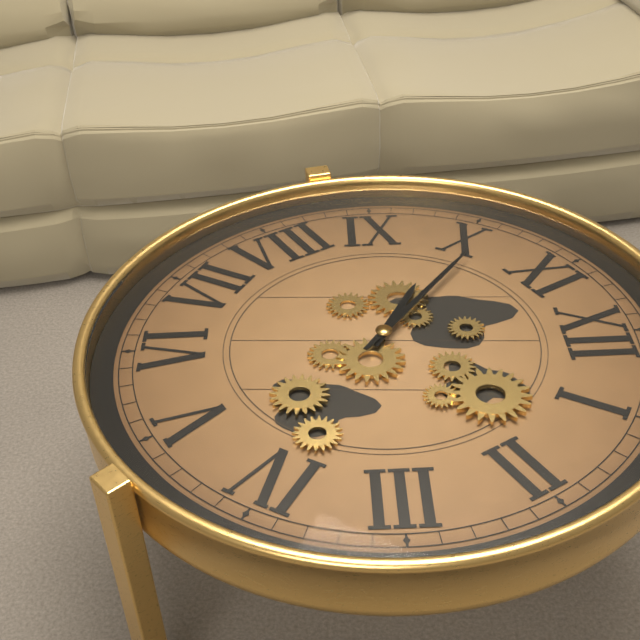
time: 9:51
